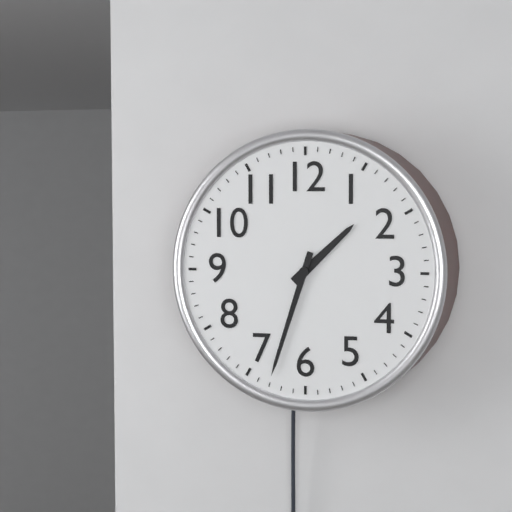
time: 1:33
